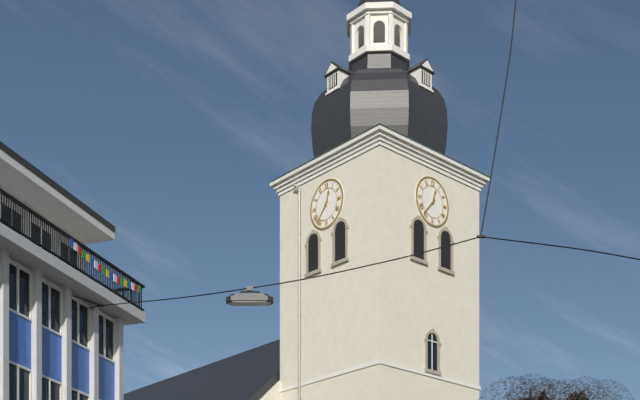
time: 12:37
